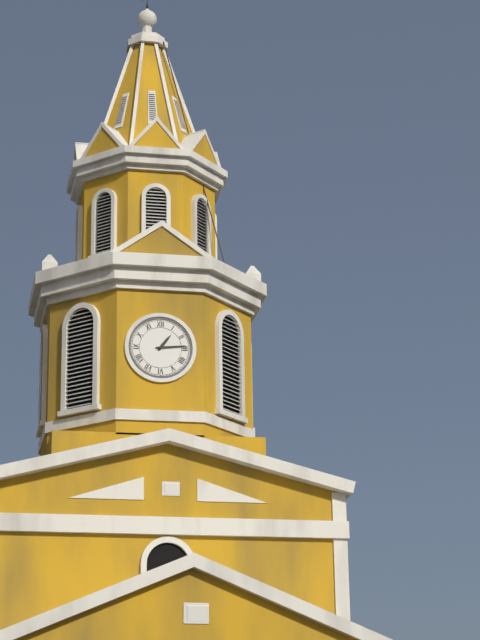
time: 1:14
